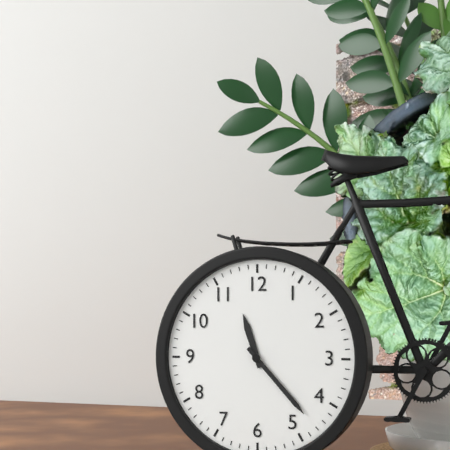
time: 11:23
